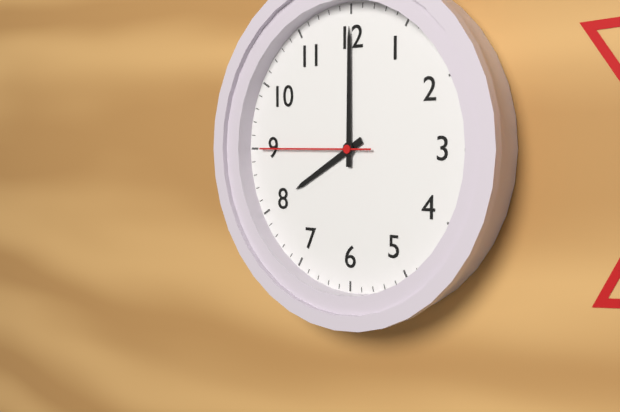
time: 8:00:45
